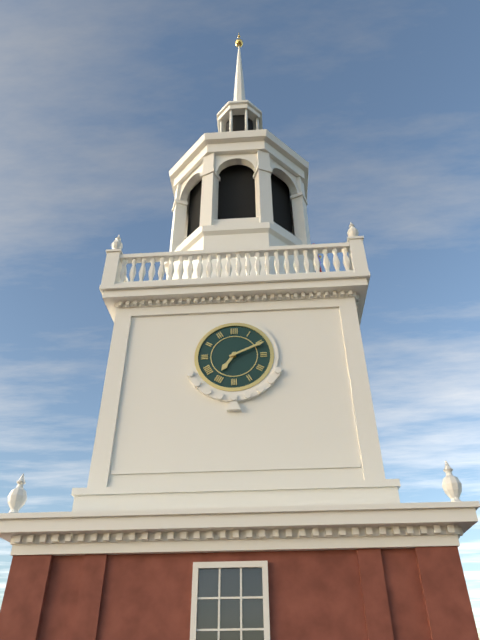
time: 7:11
